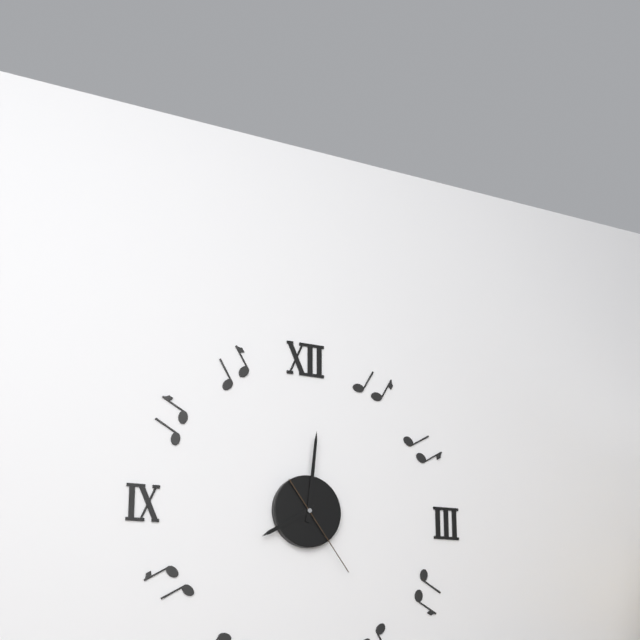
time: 8:01:24
